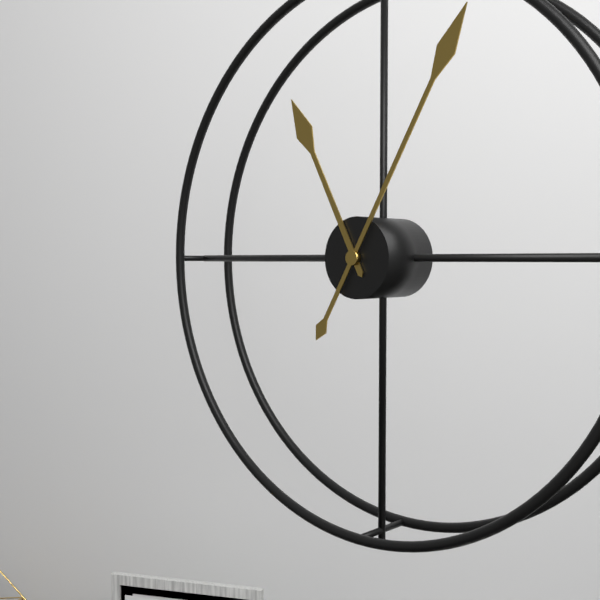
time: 11:05
